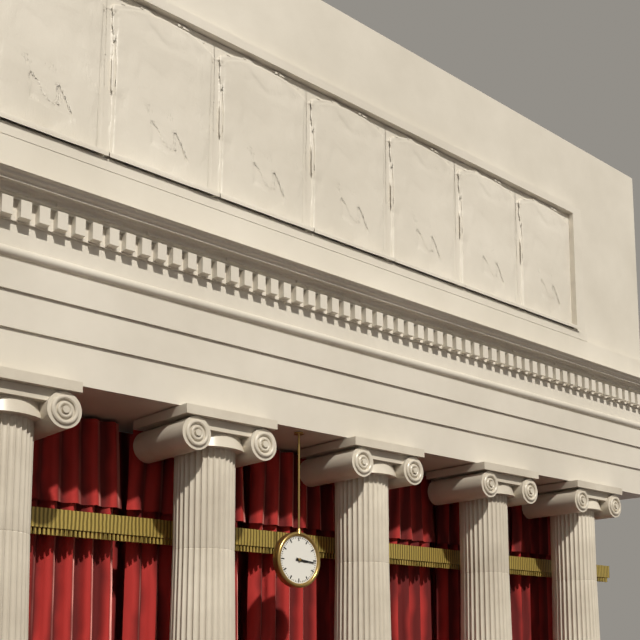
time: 3:16
